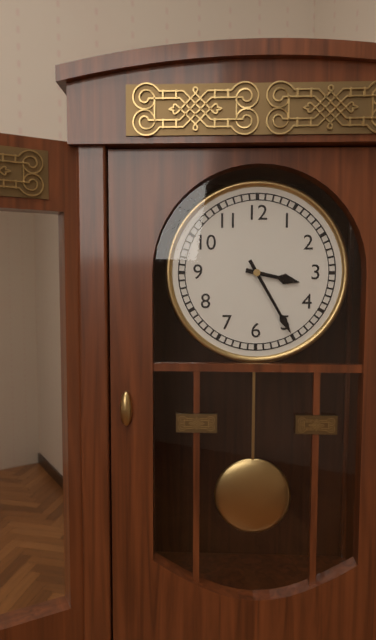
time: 3:25
